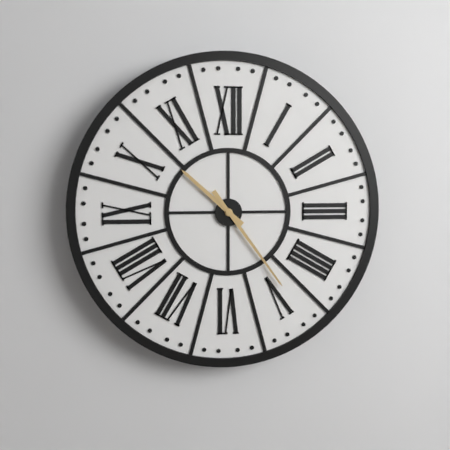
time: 10:24
